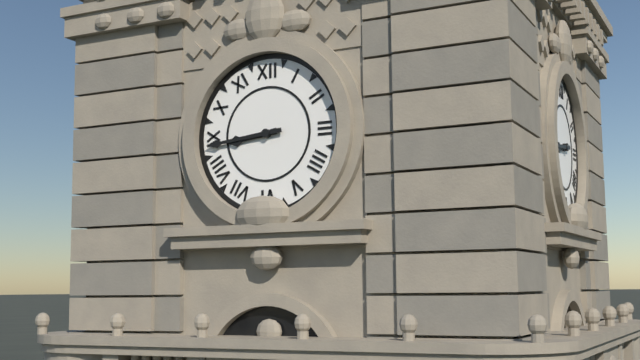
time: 8:44
